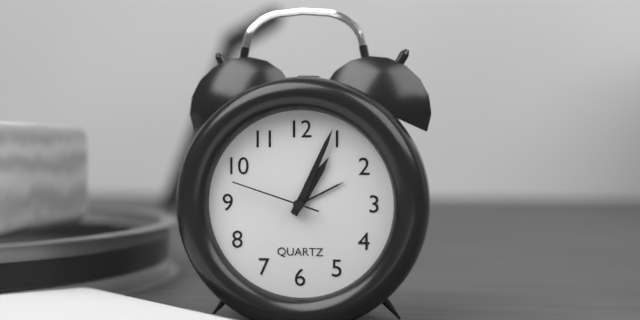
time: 1:04:48
